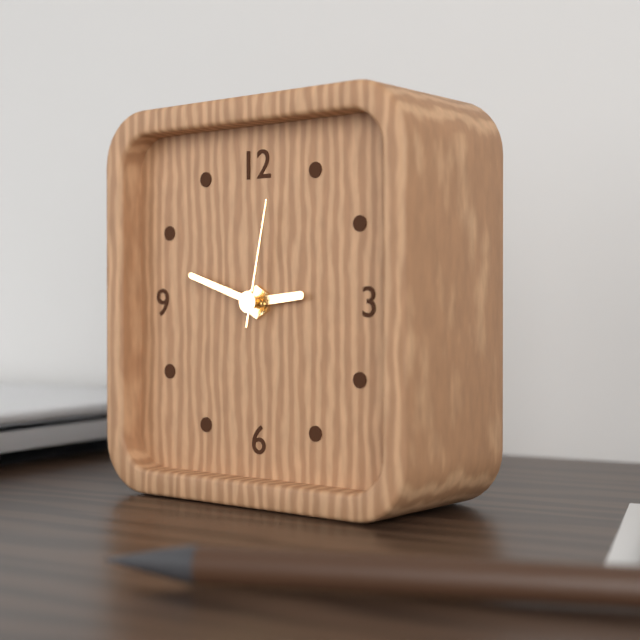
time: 2:48:02
